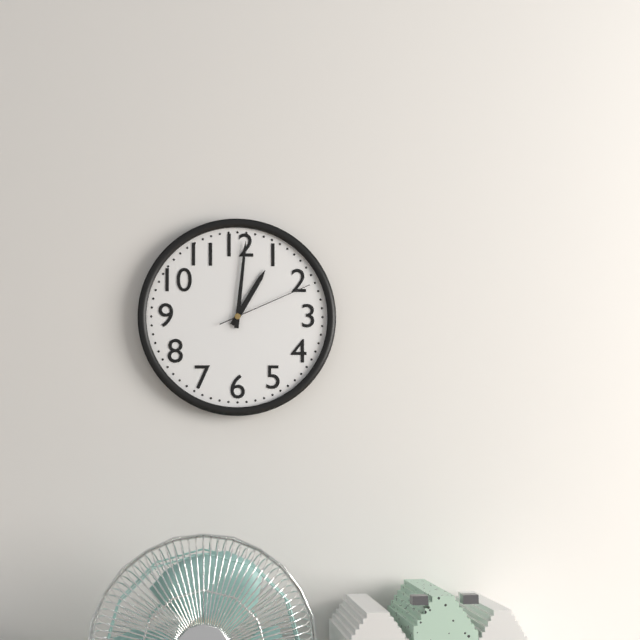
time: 1:01:11
